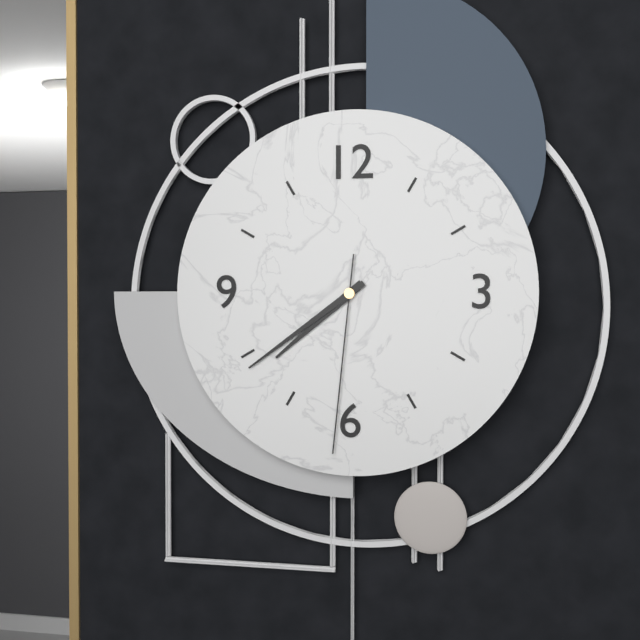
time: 7:39:31
